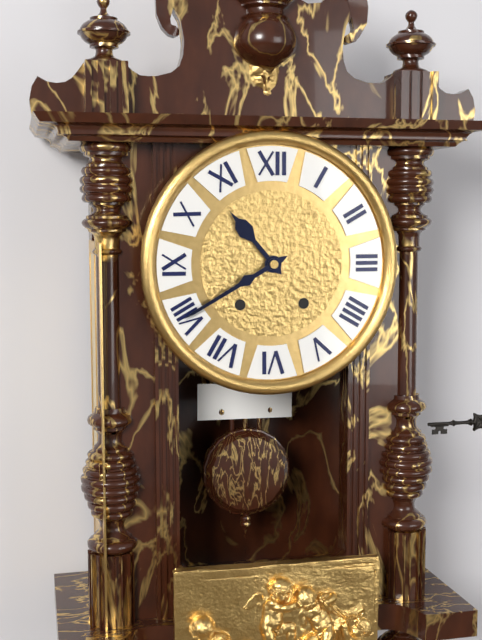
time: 10:40
